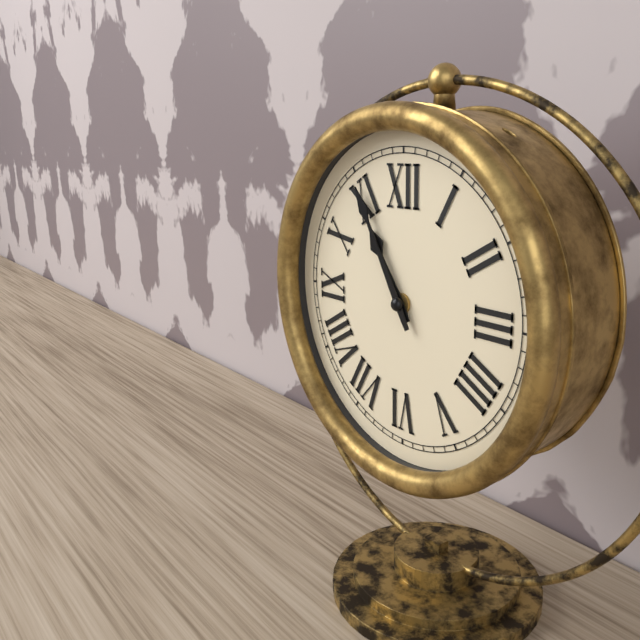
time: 10:55
